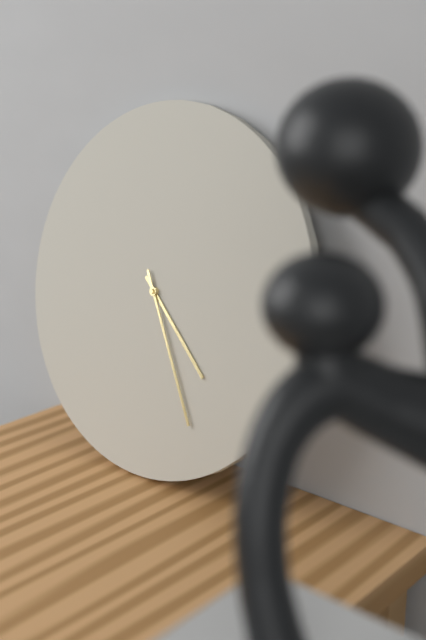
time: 4:25
